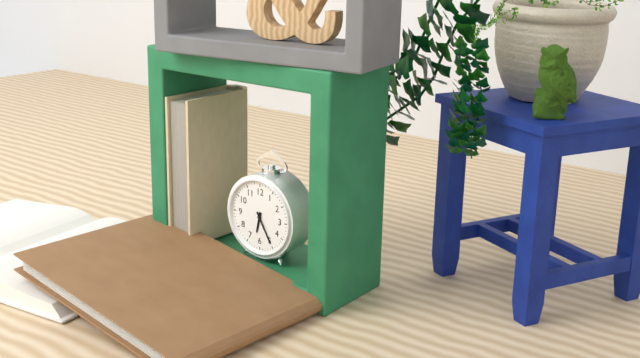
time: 6:25
